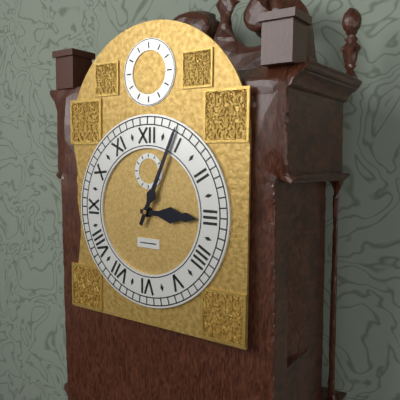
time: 3:04
